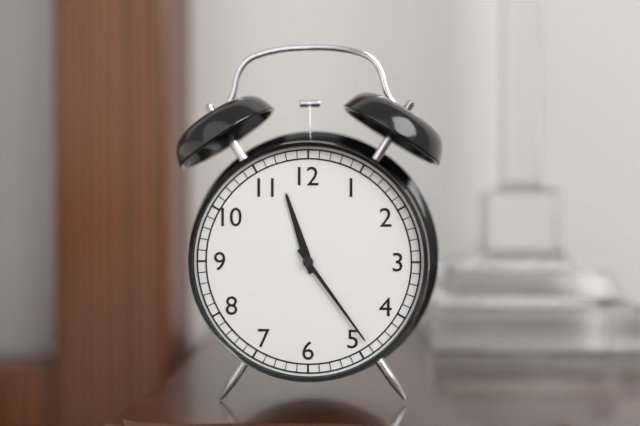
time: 11:24
